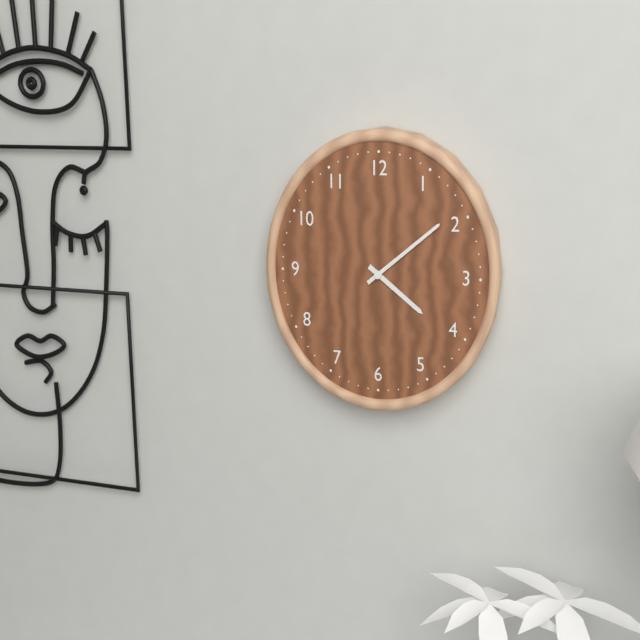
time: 4:09
